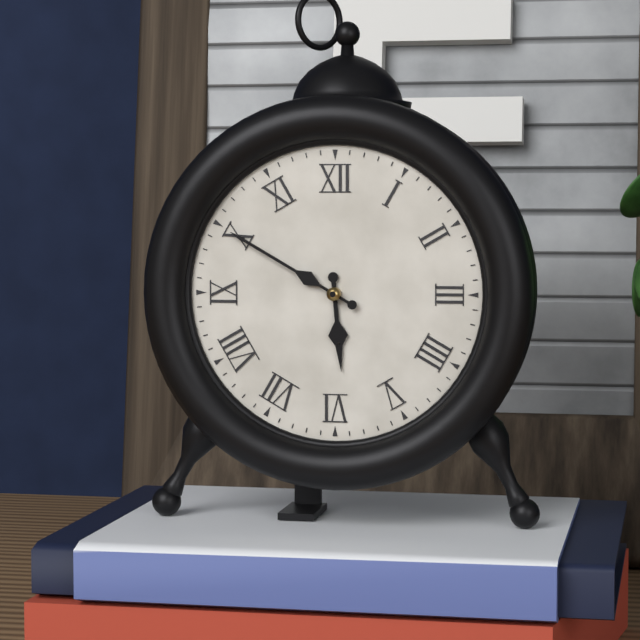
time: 5:50
